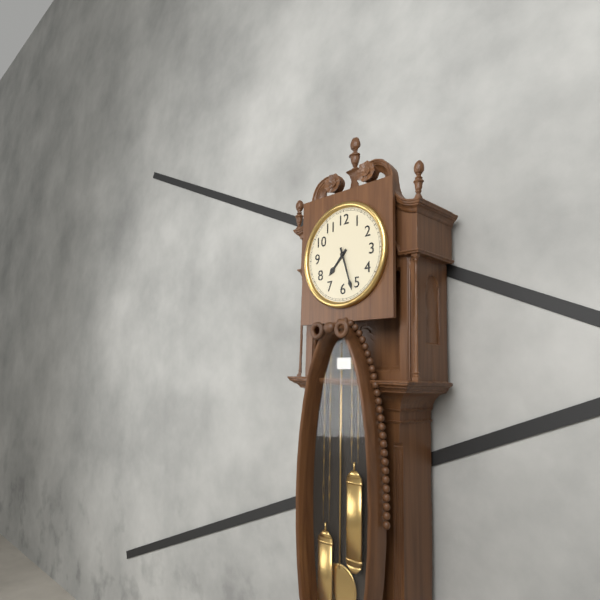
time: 7:27
